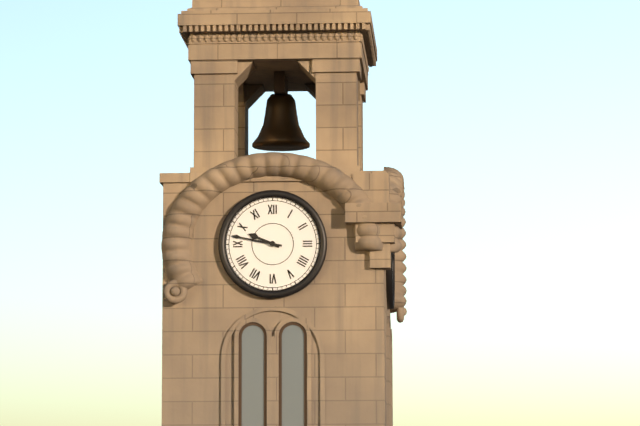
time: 9:47
